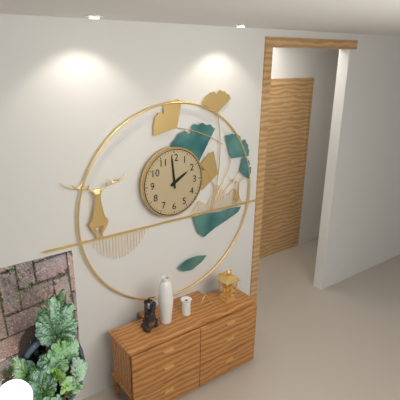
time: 1:59
